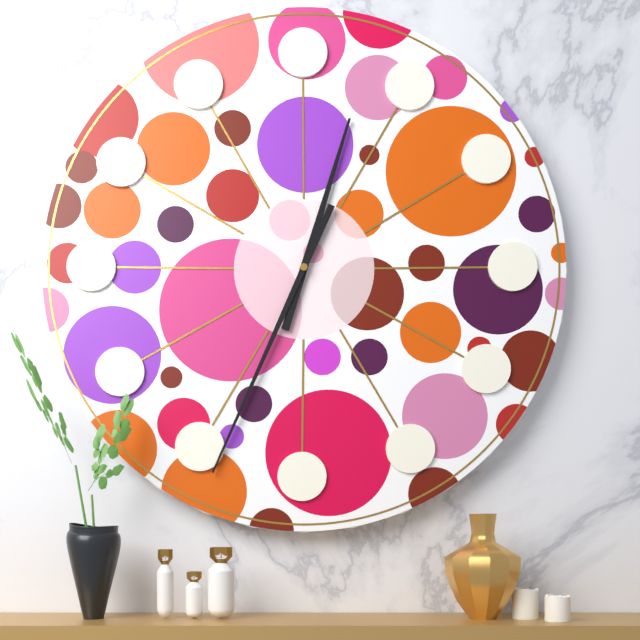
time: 12:34
